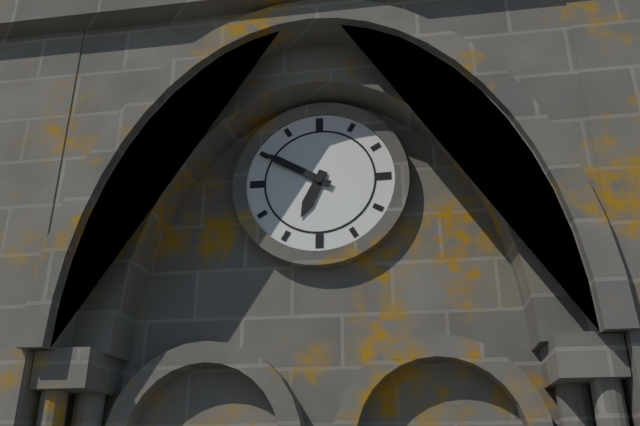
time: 6:50
